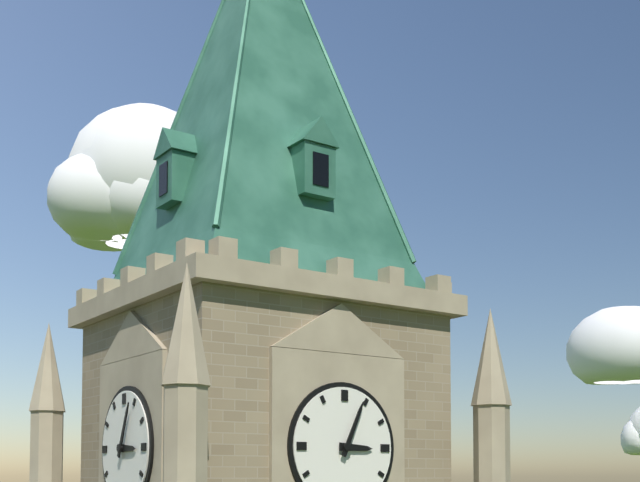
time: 3:04
